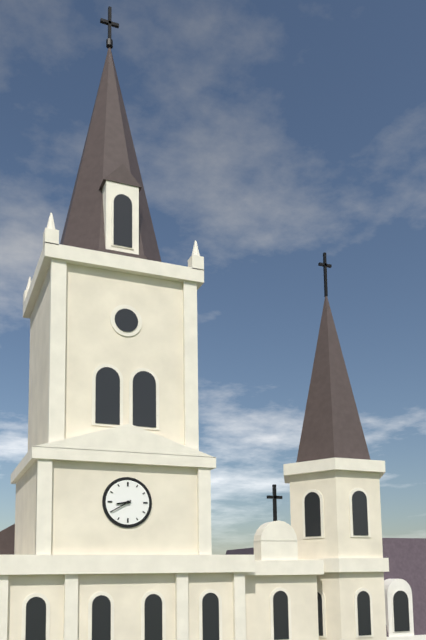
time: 8:40
